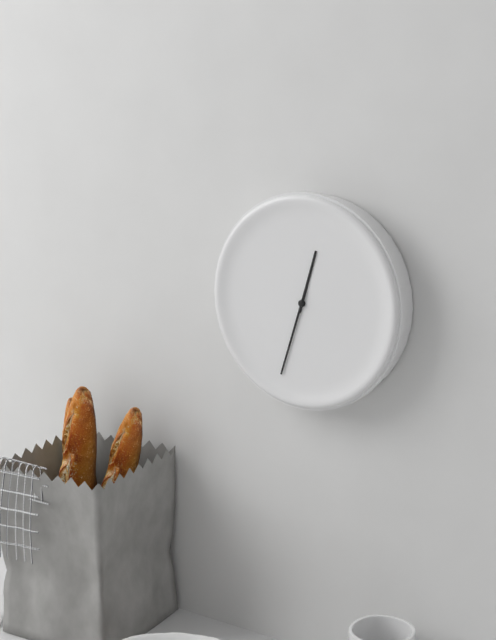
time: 12:33
